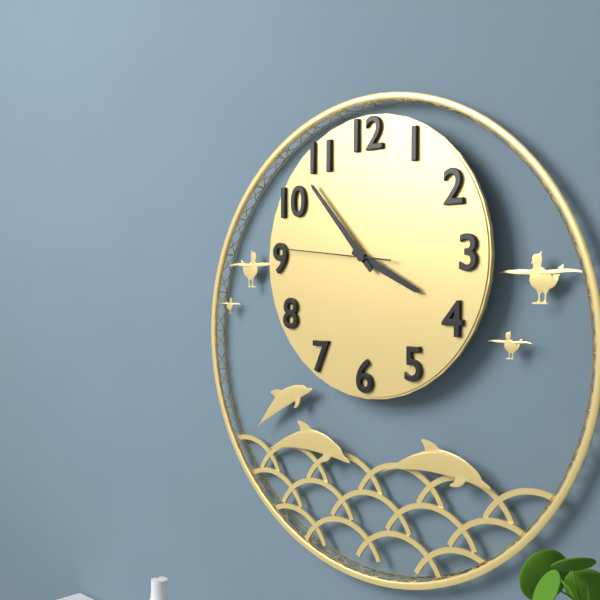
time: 3:53:46
